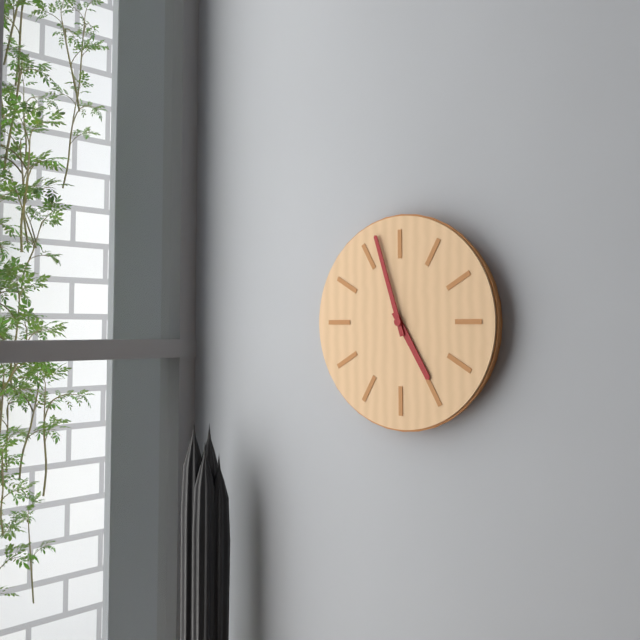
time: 4:57
